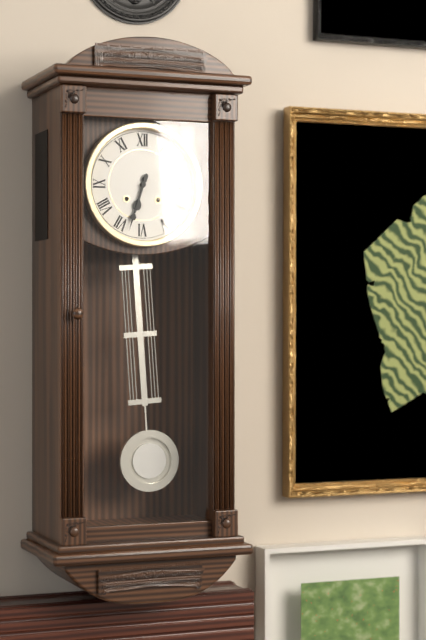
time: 6:33
